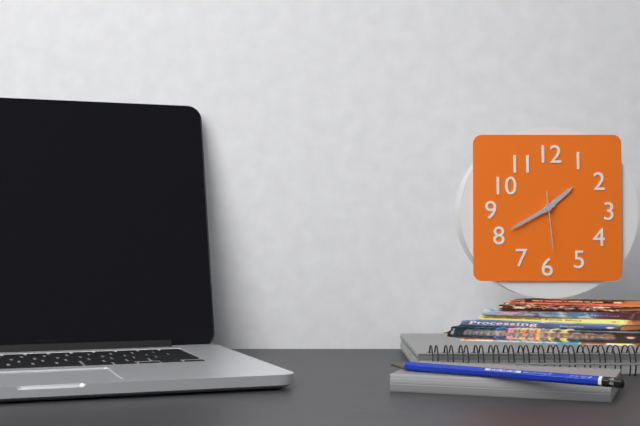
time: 1:40:29
